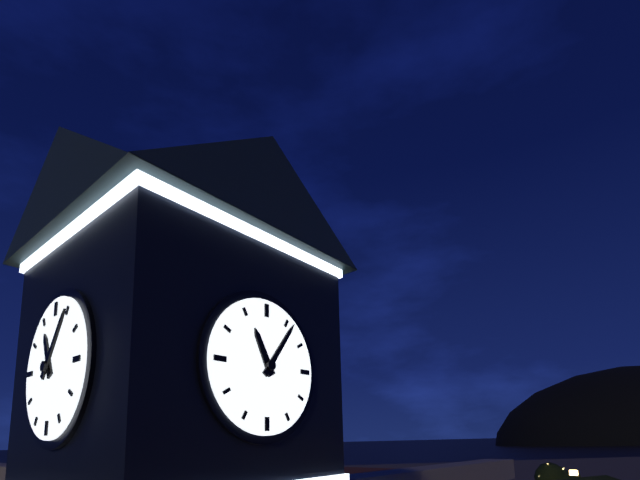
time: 11:06
